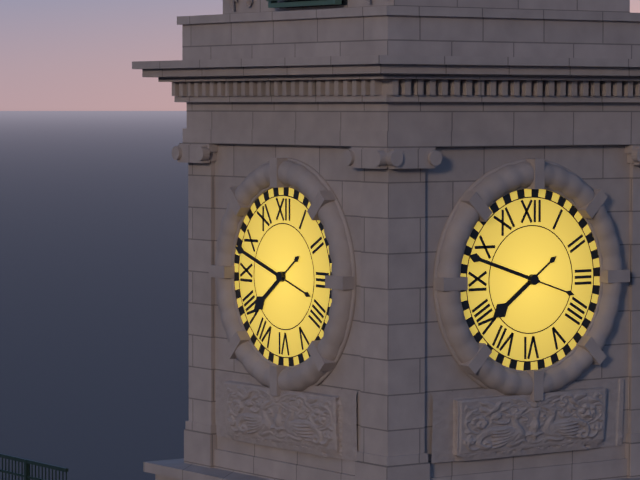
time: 7:48
